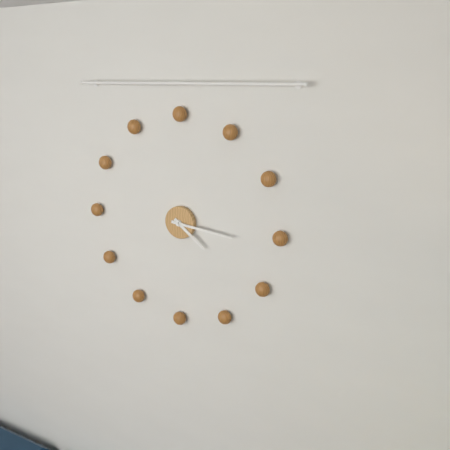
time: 4:16
